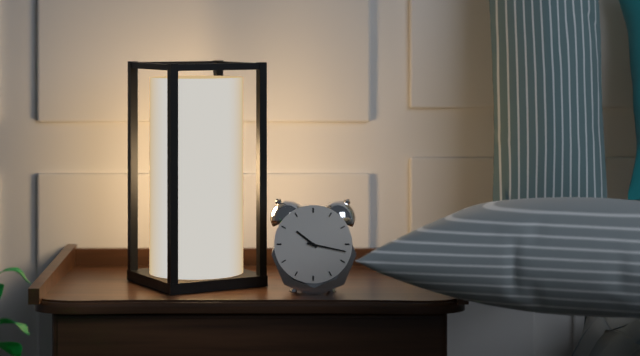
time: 10:17
